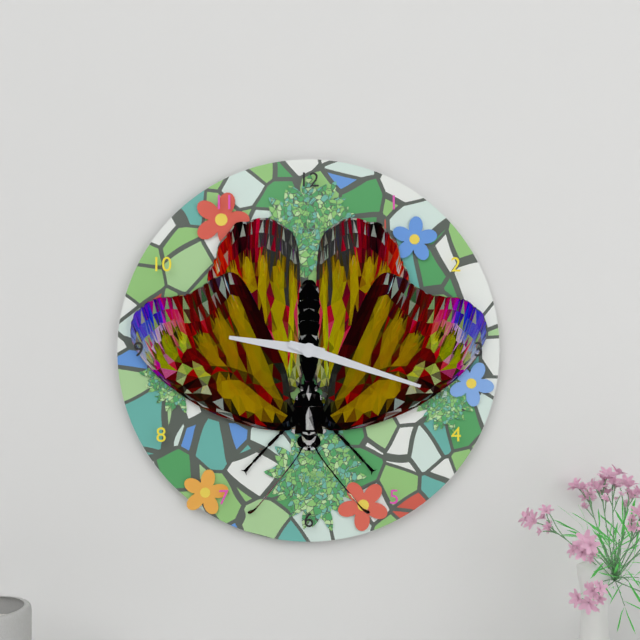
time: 9:18
